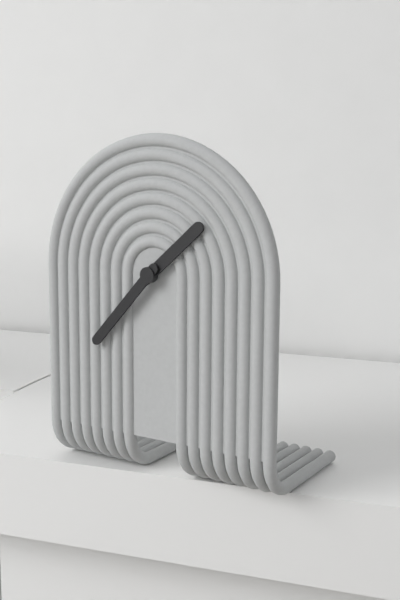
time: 1:37
